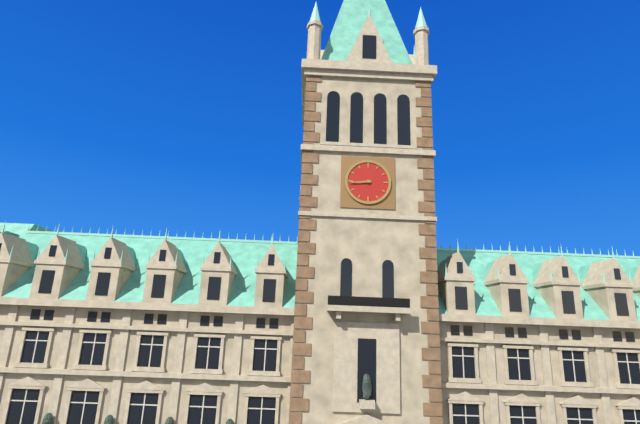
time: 8:44
